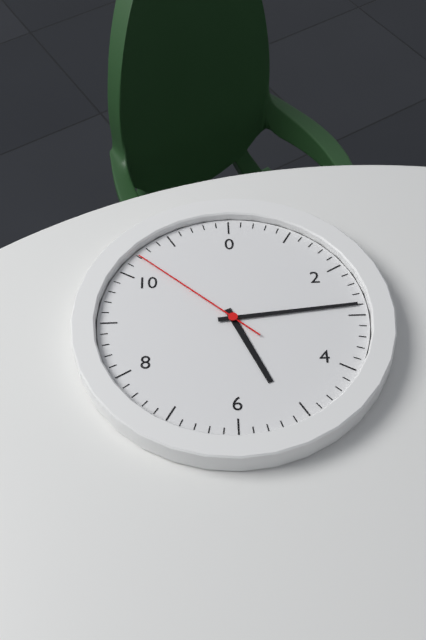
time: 5:14:52
